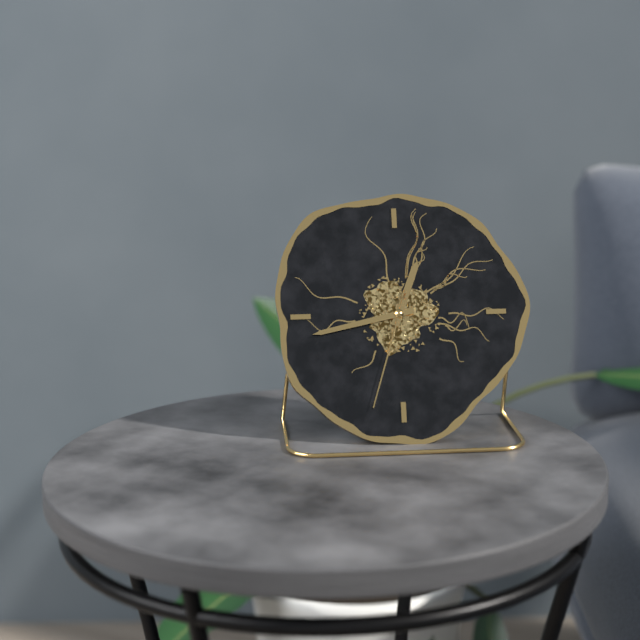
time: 12:43:33
